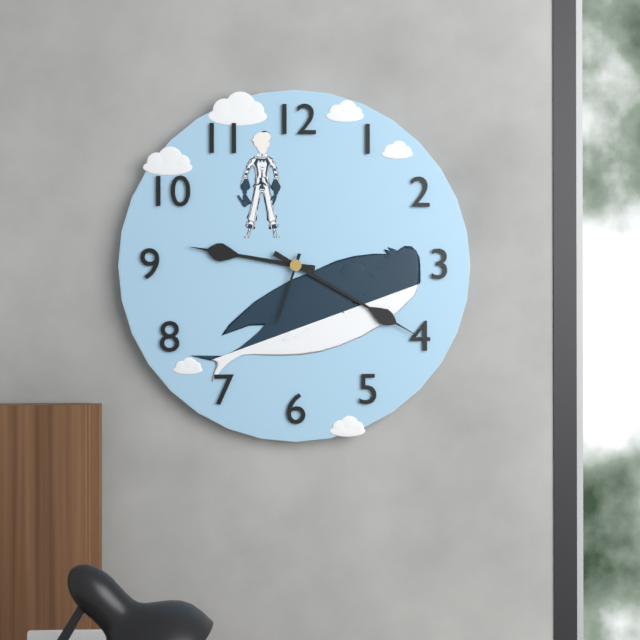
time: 9:20:33
